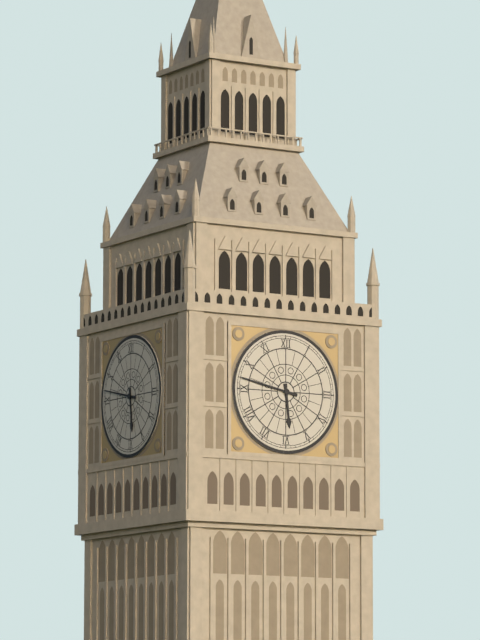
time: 5:47
